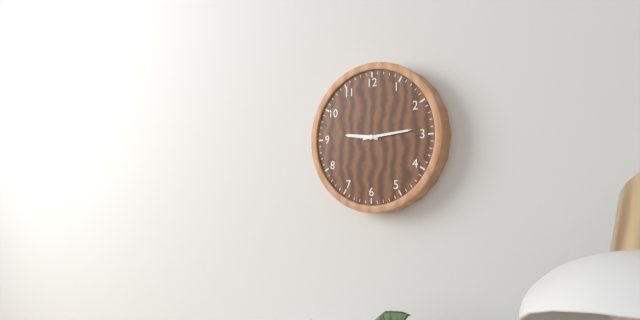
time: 9:14
